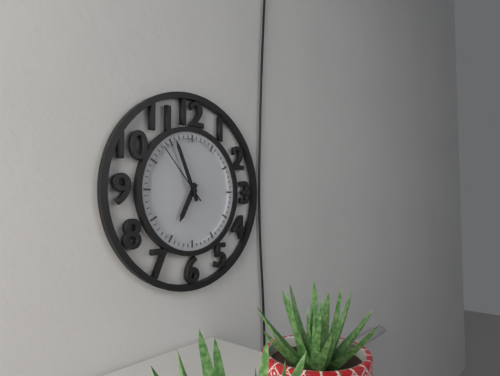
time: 6:56:53
